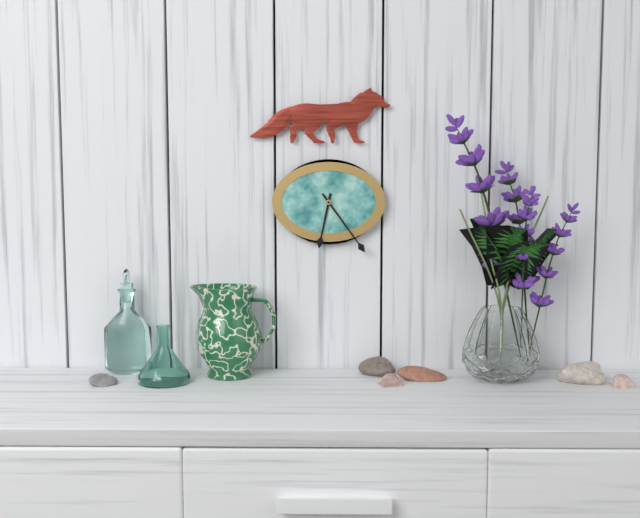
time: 6:24
